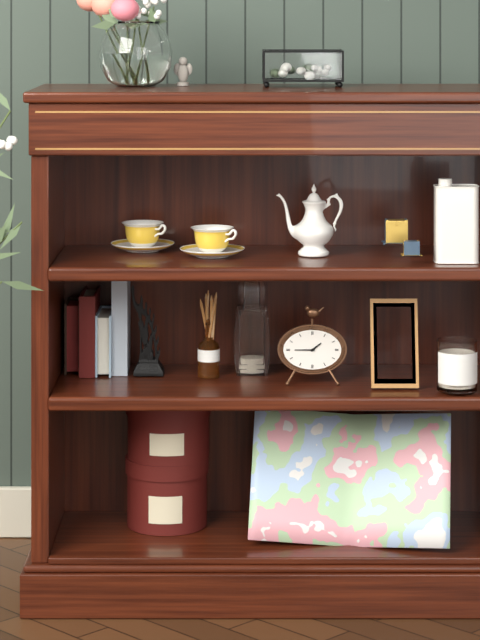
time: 1:45
